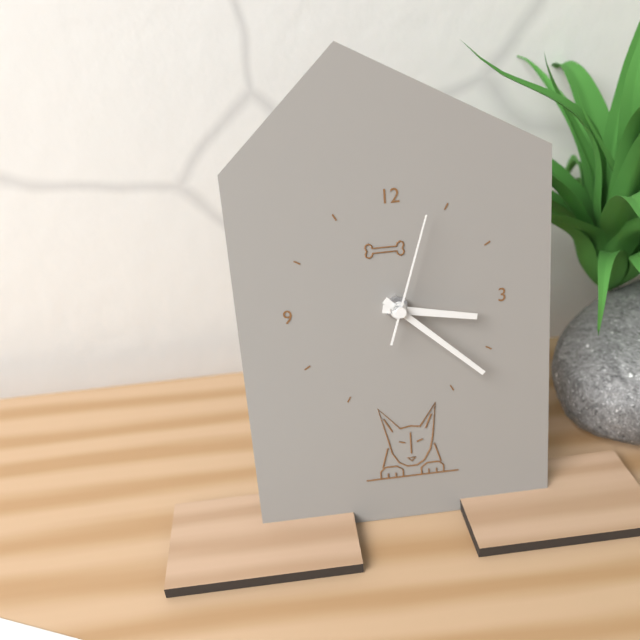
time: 3:22:03
